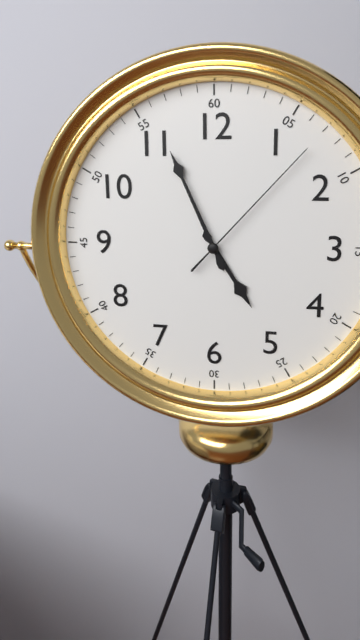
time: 4:56:07
